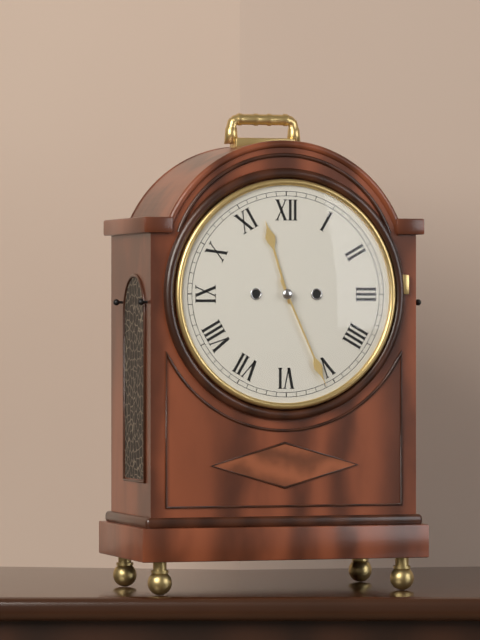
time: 11:26
